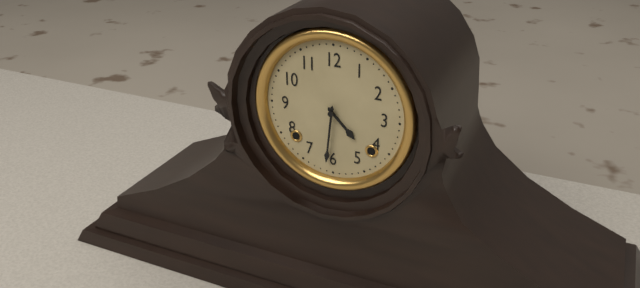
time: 4:31
